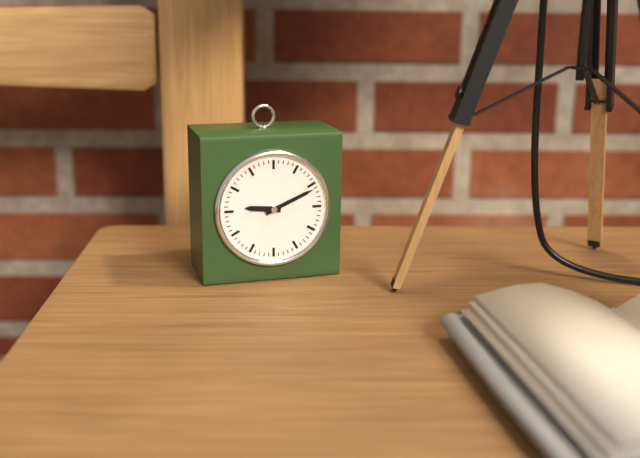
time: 9:11
